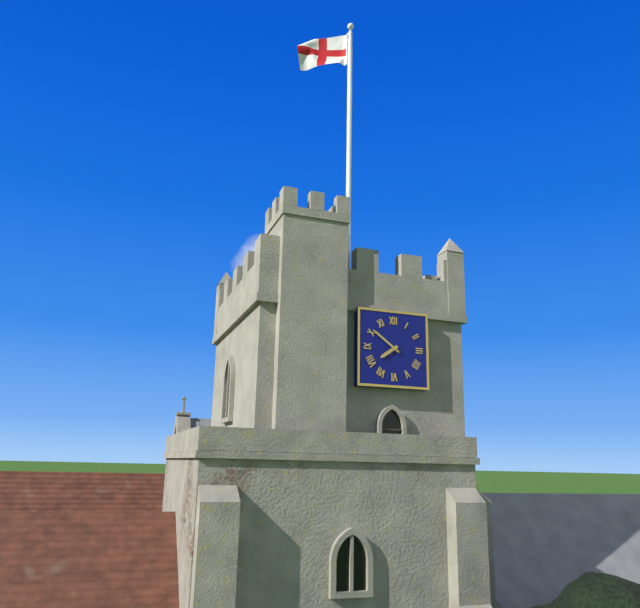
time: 7:51
